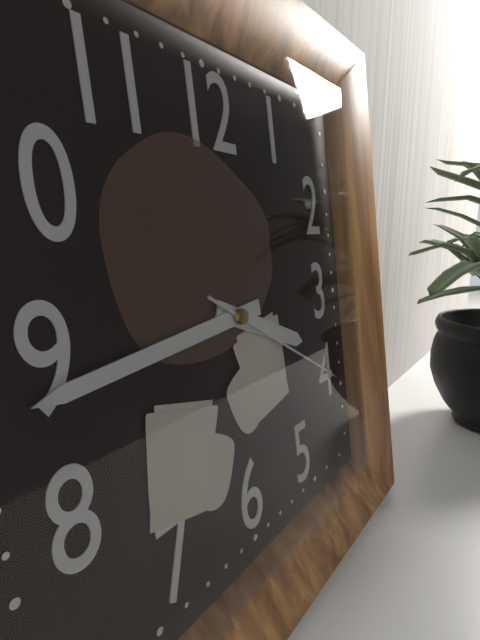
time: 3:44:20
